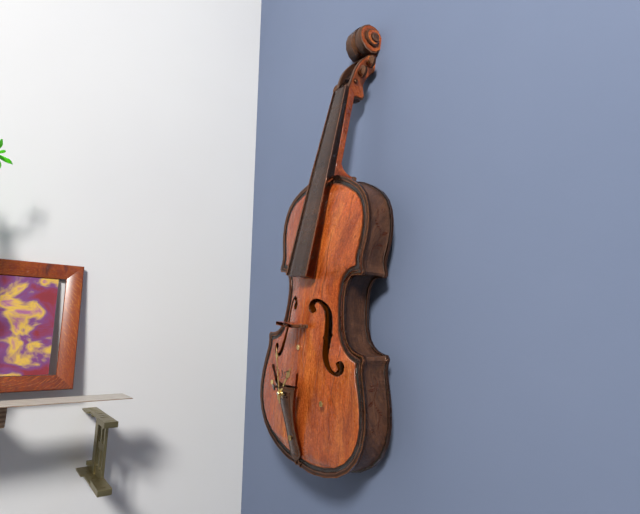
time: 12:57
